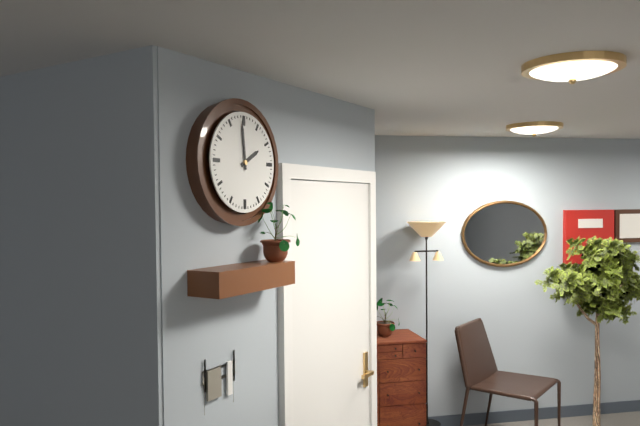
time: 1:59
